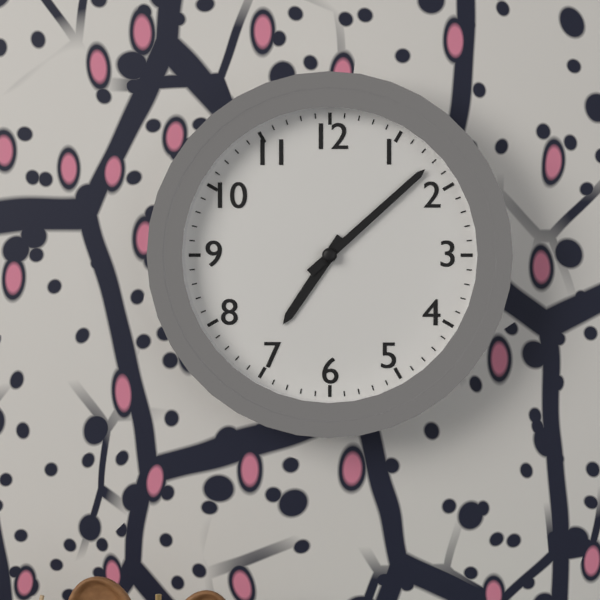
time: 7:08
